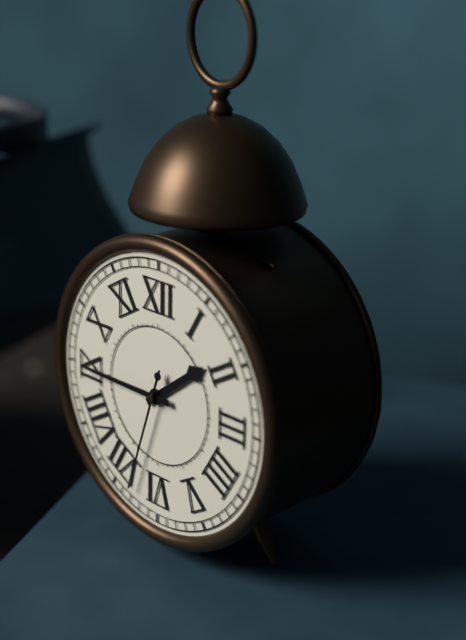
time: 1:45:33
